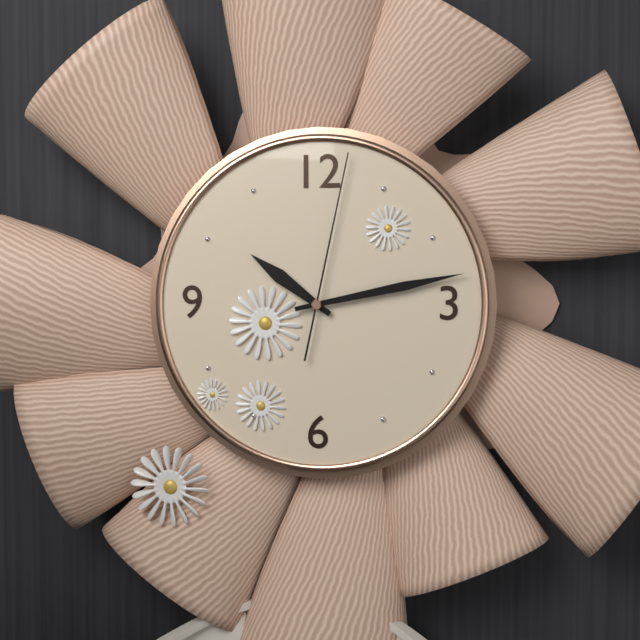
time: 10:13:02
